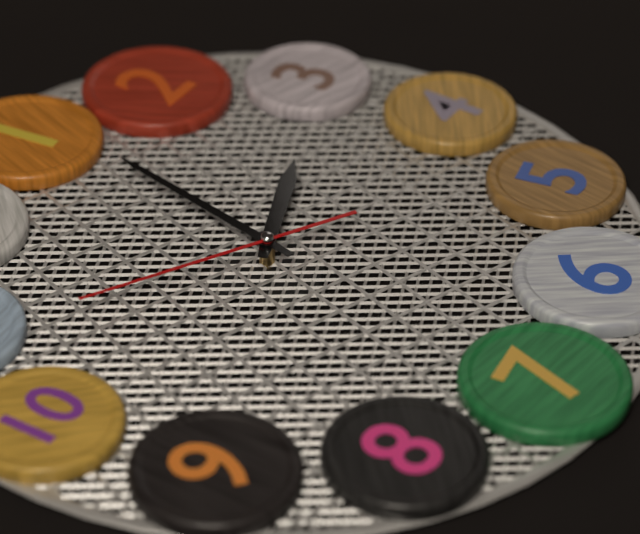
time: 3:06:54
